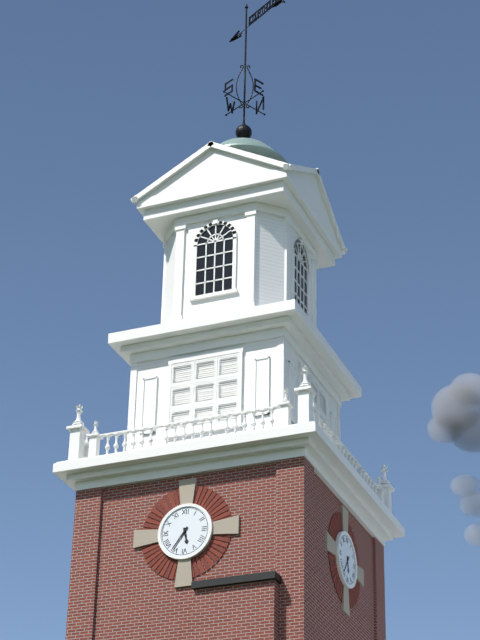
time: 5:36
